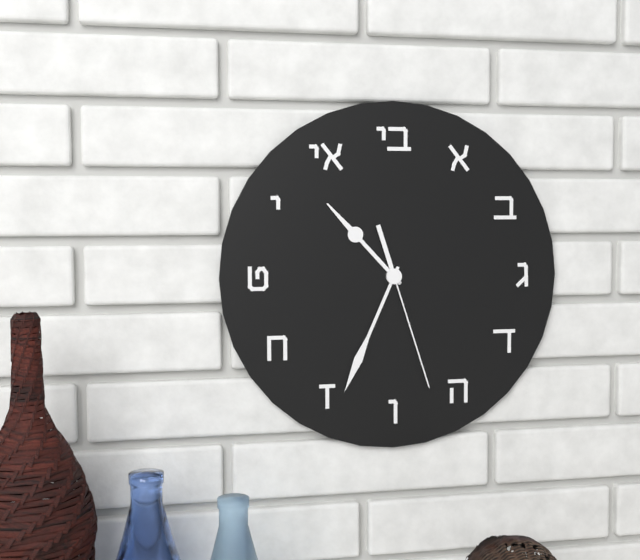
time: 10:34:27
